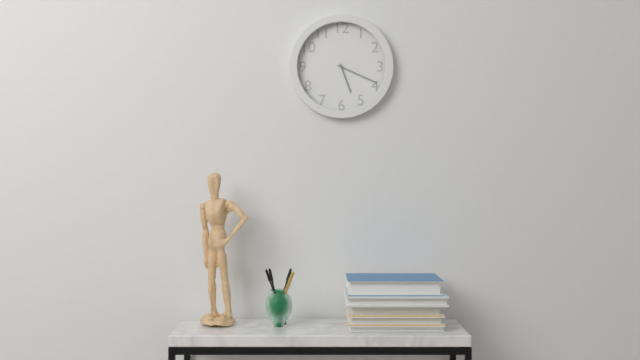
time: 5:19
